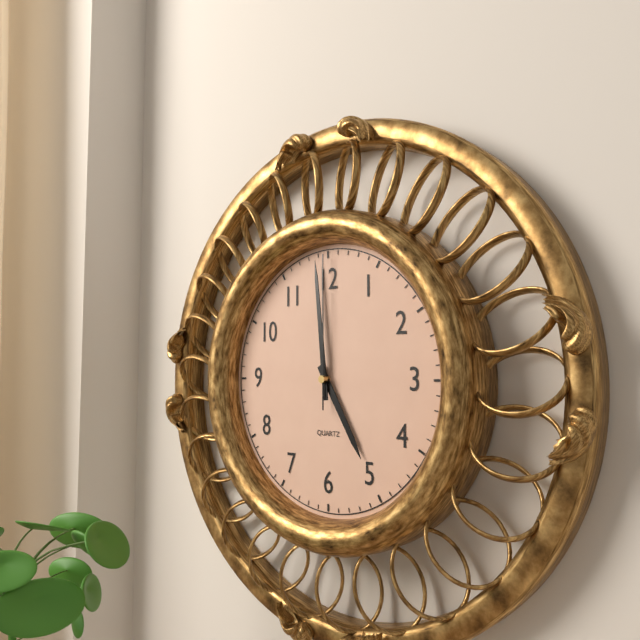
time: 4:59:00
